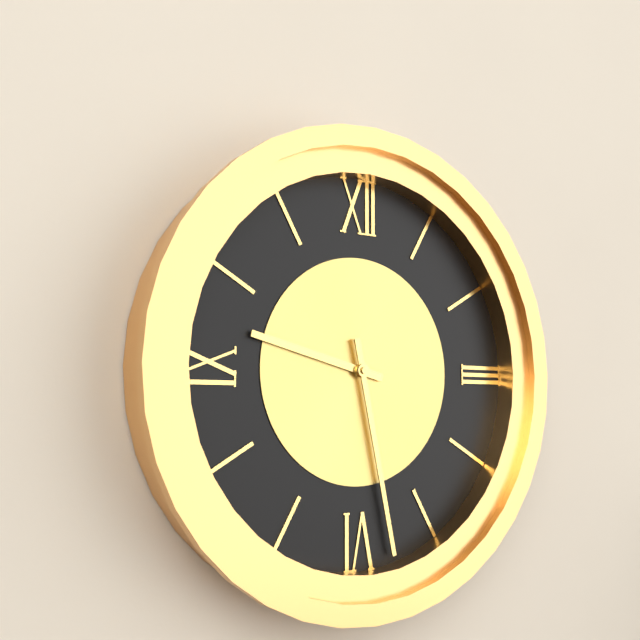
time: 9:28
